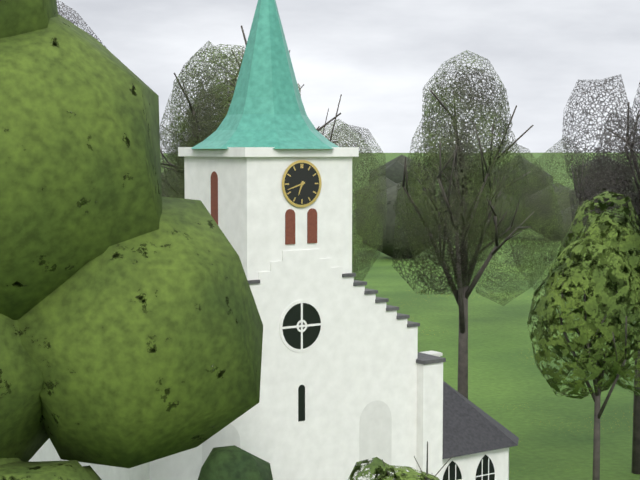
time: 6:42
